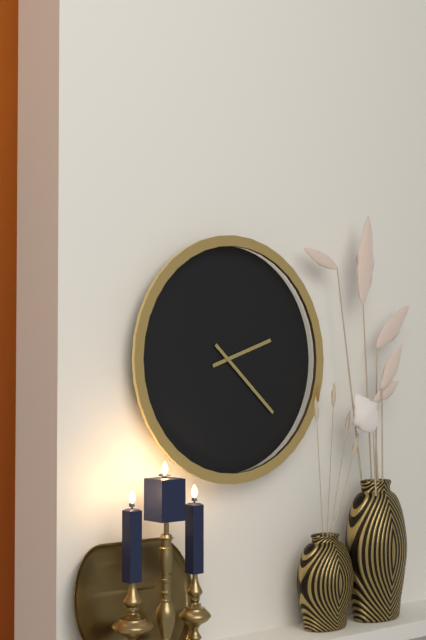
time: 2:22
